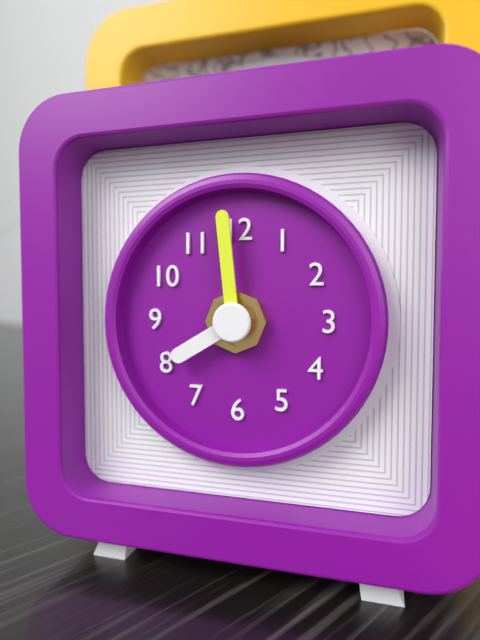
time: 7:59
